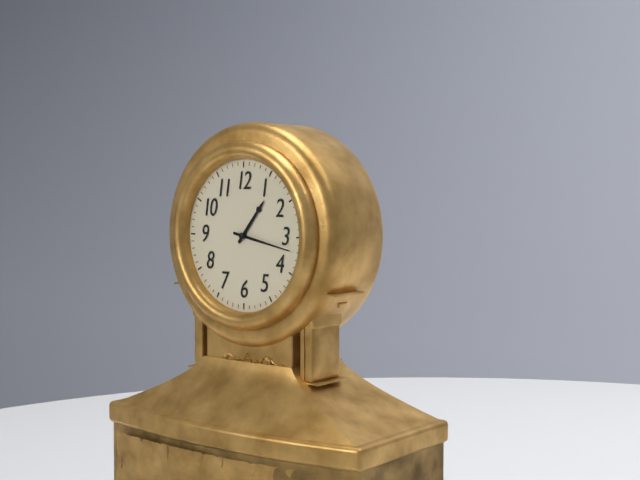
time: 1:17
